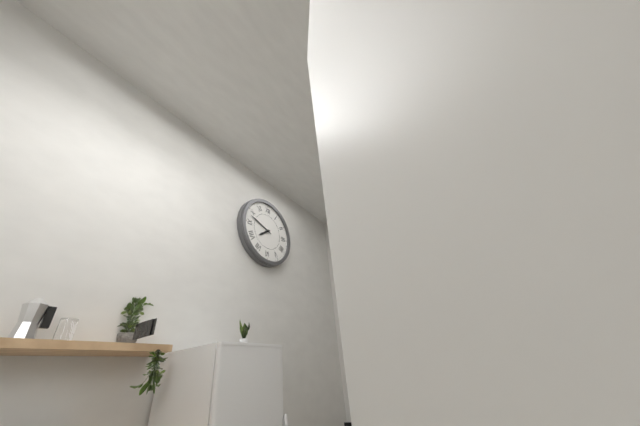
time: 7:48
